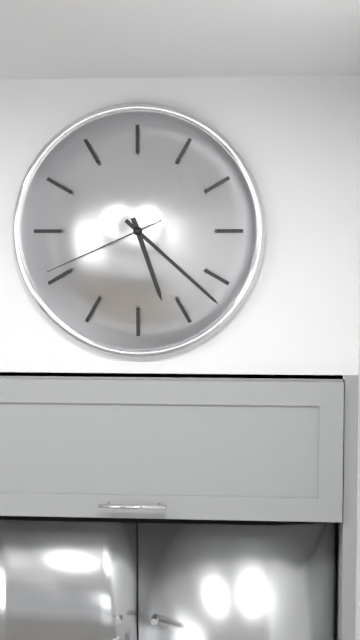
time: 5:22:41
